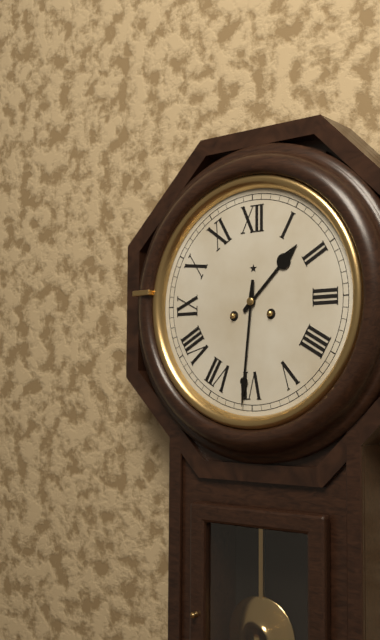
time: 1:31
